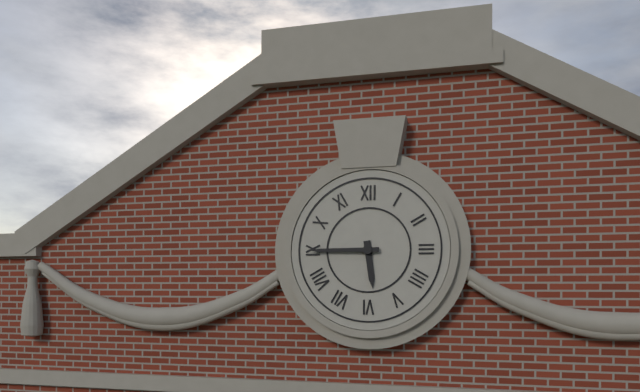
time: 5:45
